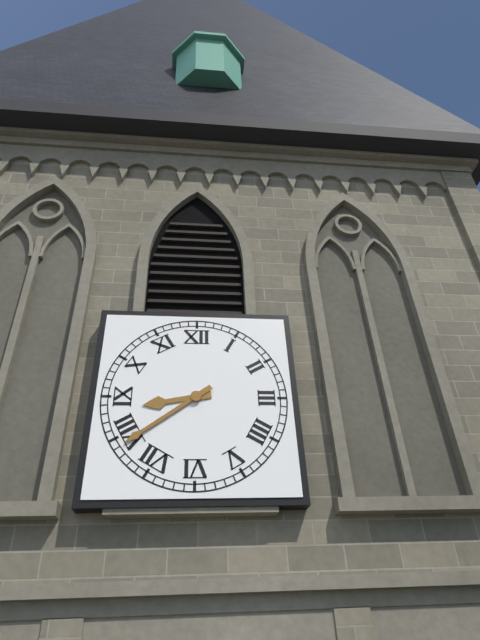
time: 8:39
